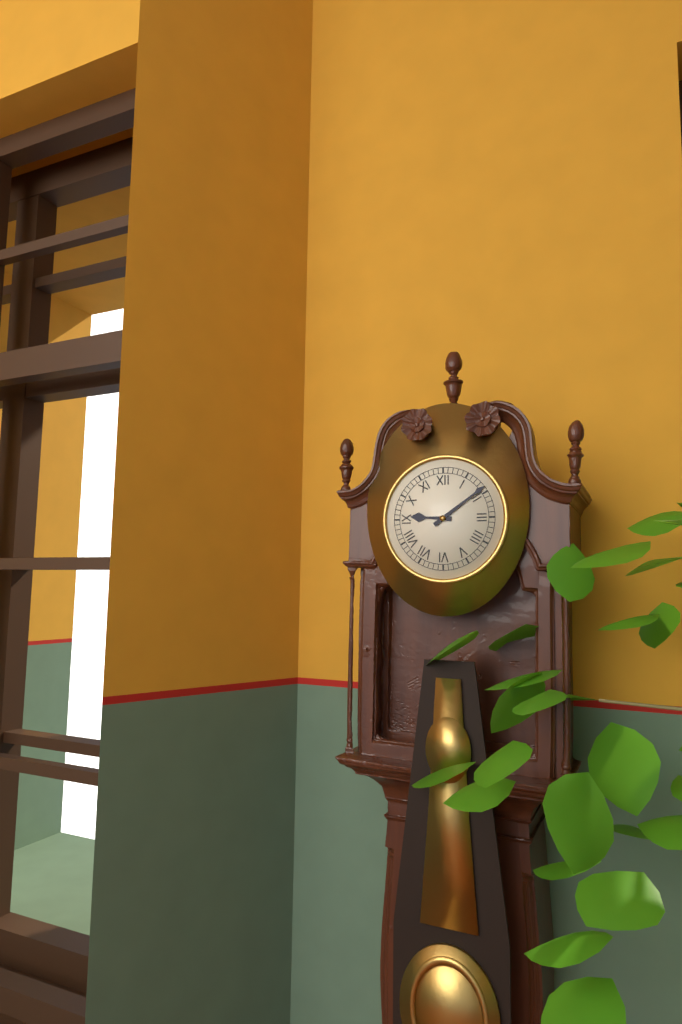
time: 9:09
